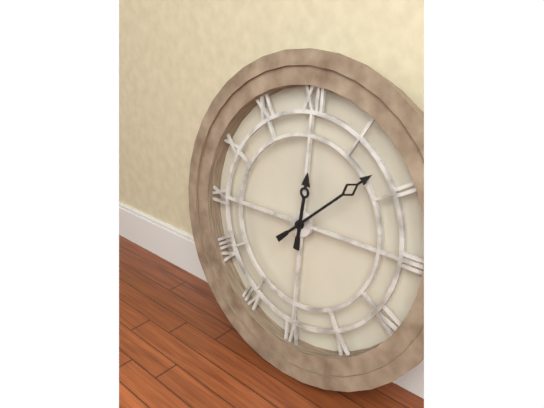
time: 12:08
